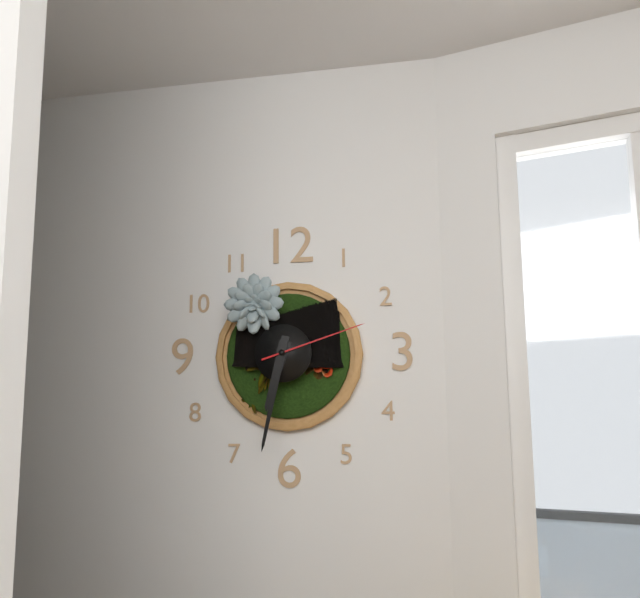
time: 6:32:12
